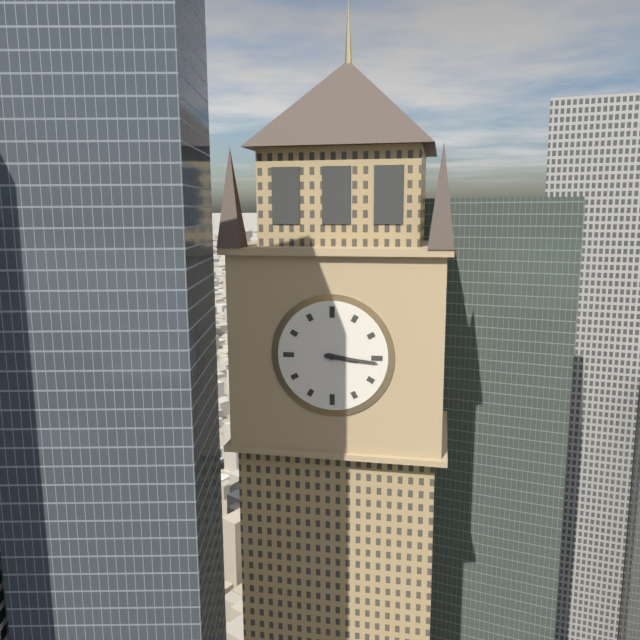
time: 3:16
